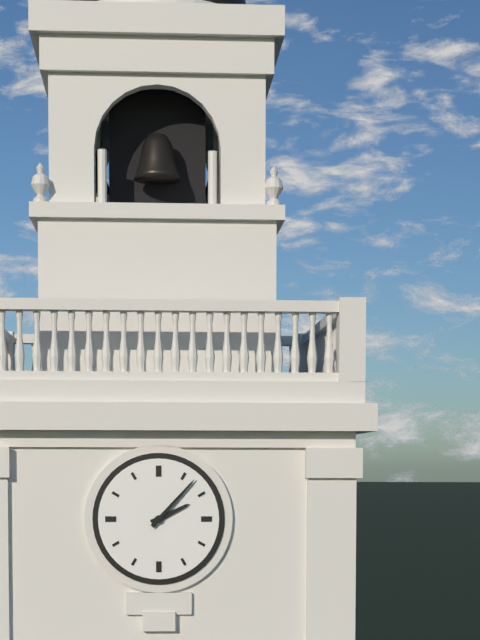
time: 2:07
